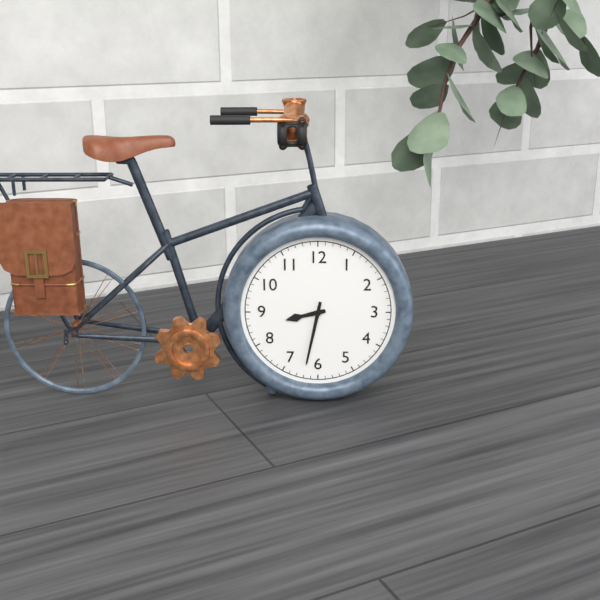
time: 8:32
